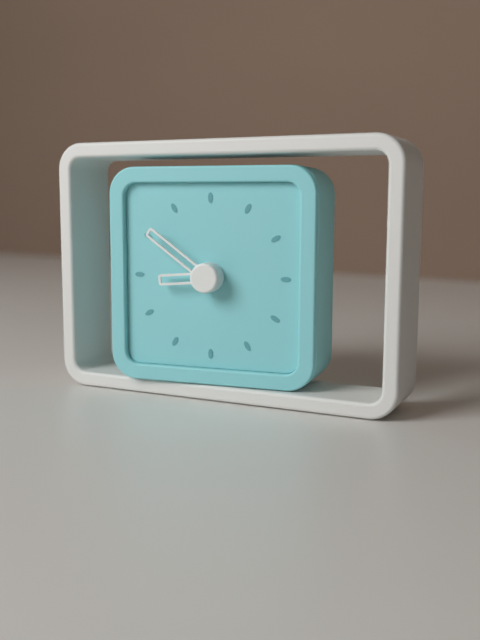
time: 8:51
